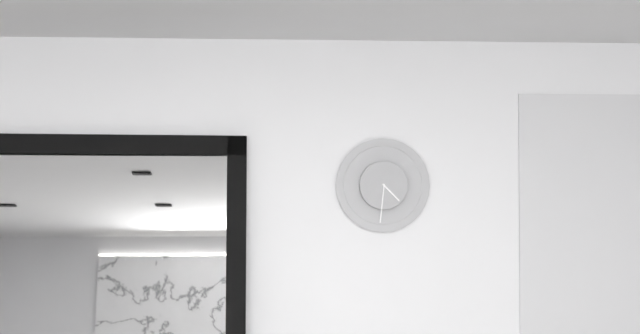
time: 4:31
